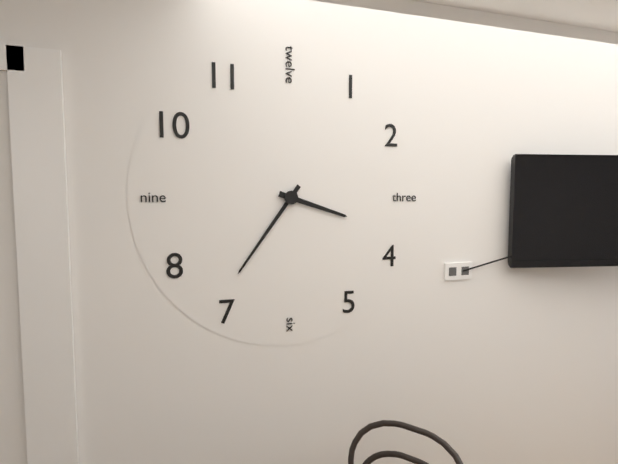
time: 3:36
